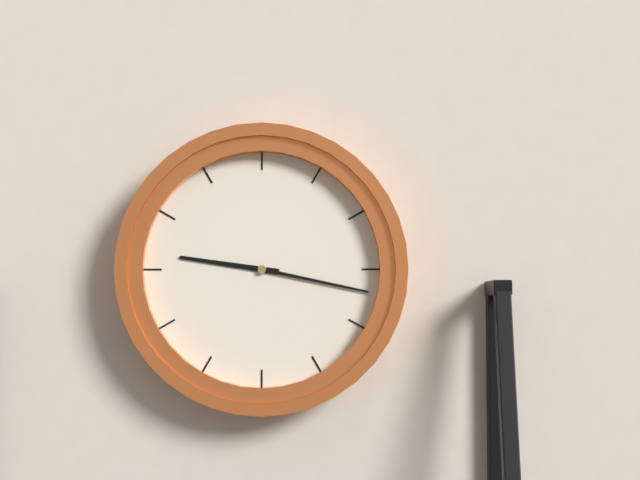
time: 9:17
